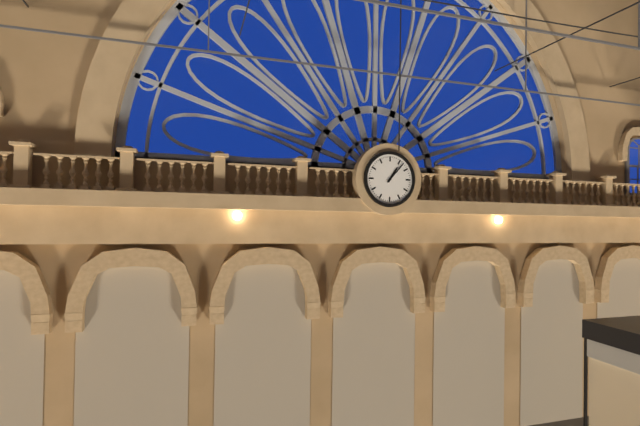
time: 1:07
